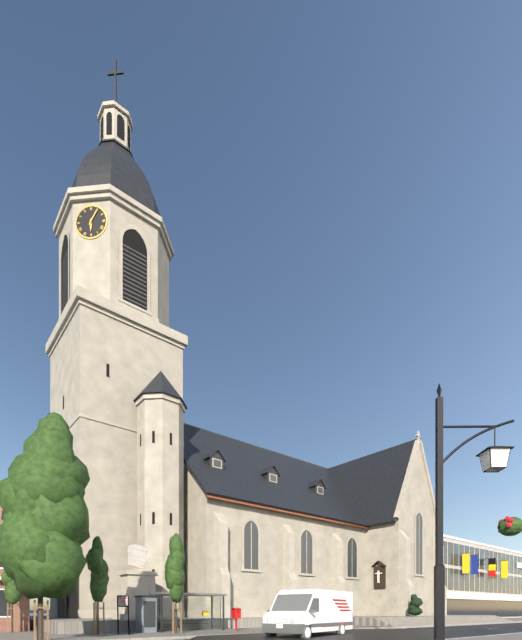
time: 6:05
